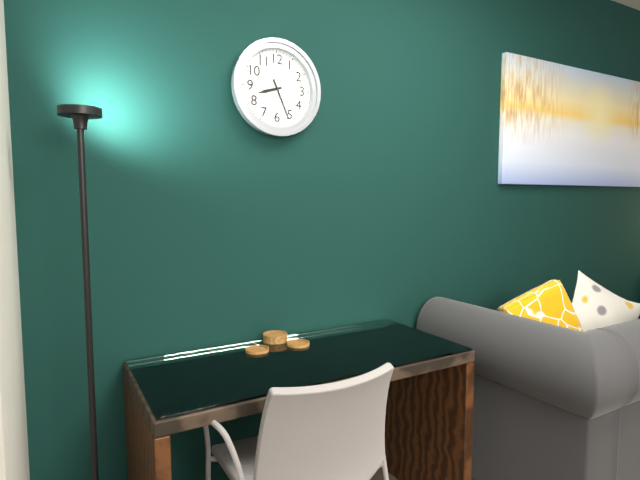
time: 8:26
